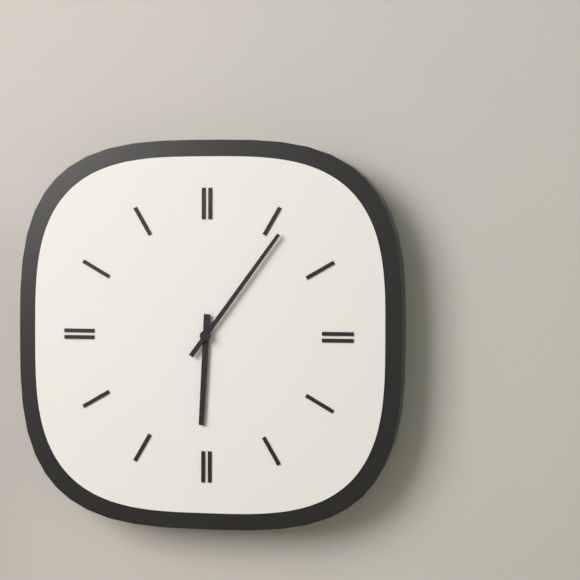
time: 6:06
